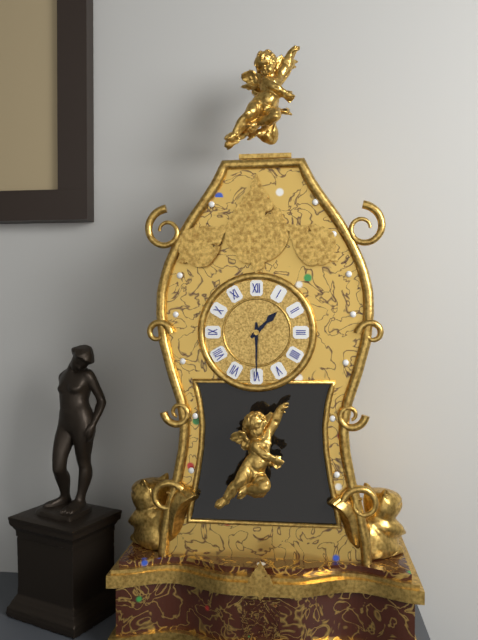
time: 1:30
